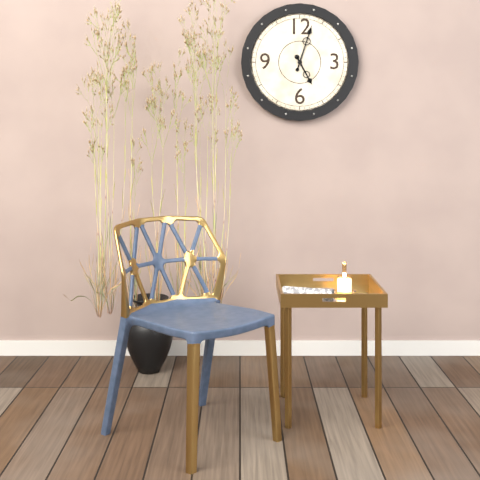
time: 5:03
